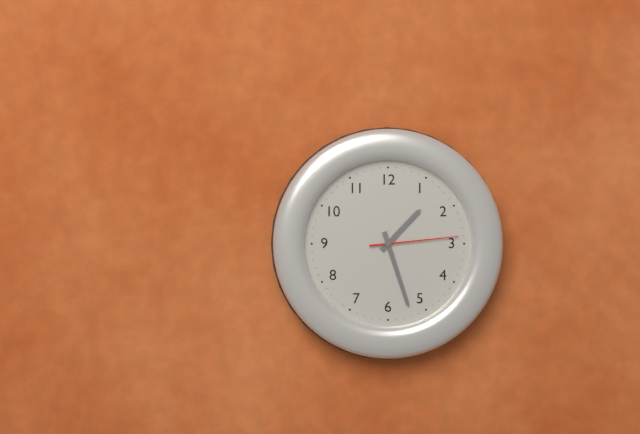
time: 1:27:14
